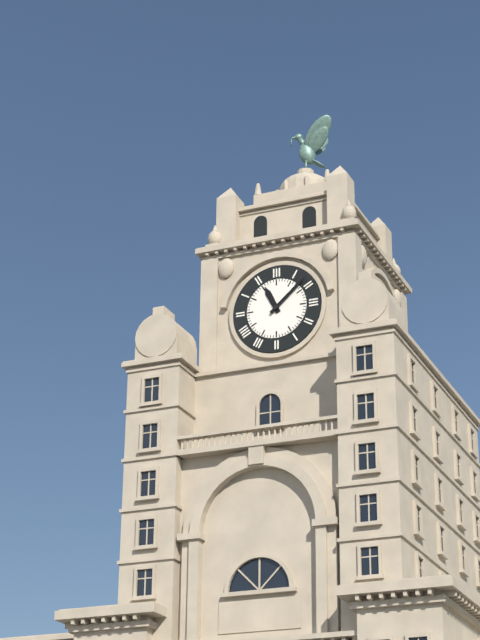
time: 11:08
